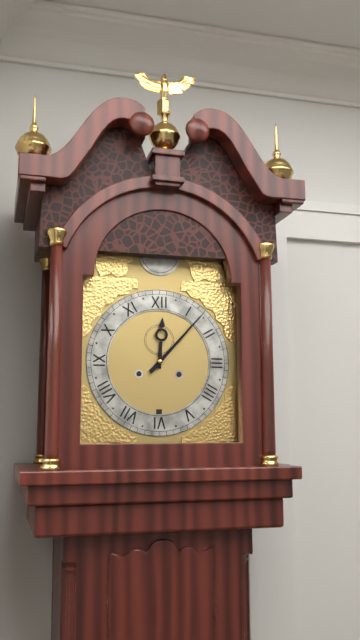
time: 12:07
